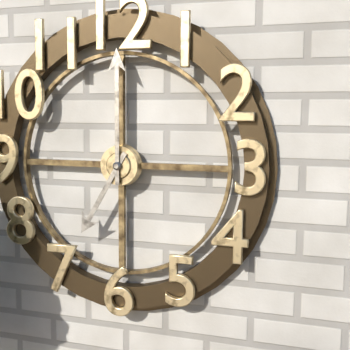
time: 7:00
